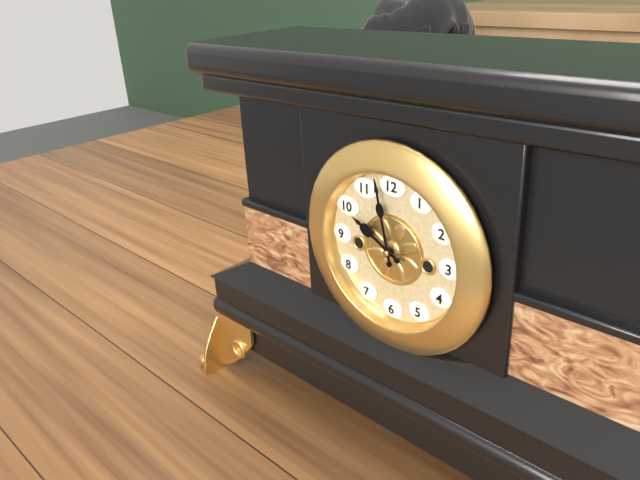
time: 9:58
